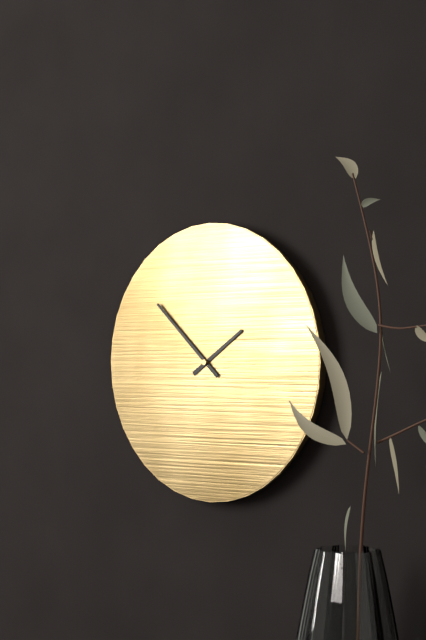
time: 1:52
